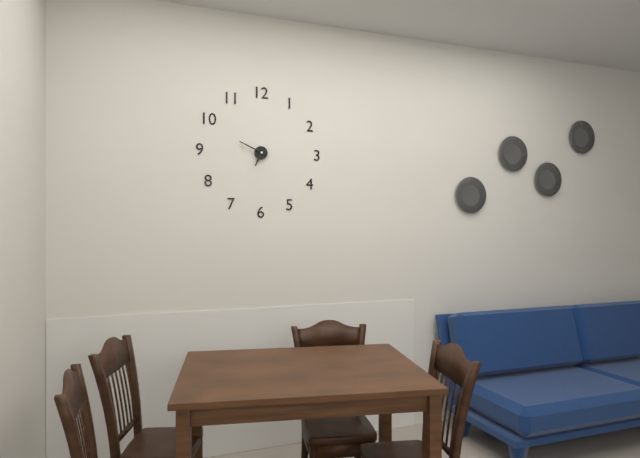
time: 6:49
